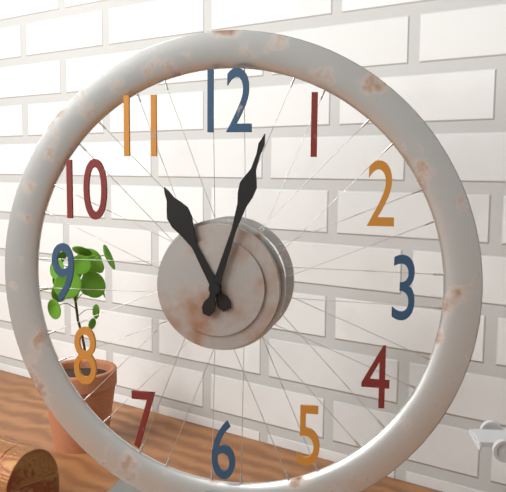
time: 11:03
